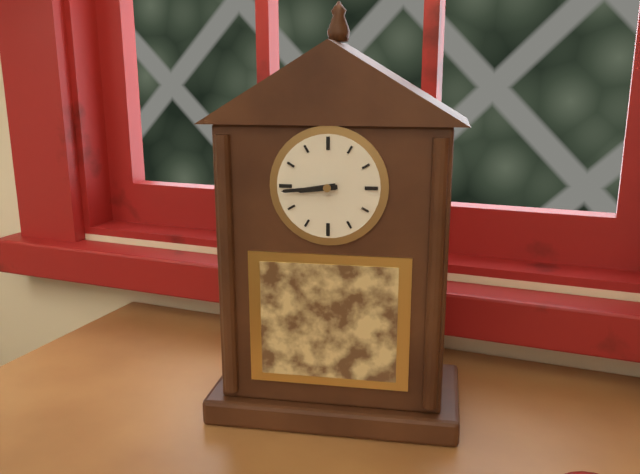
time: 8:44
